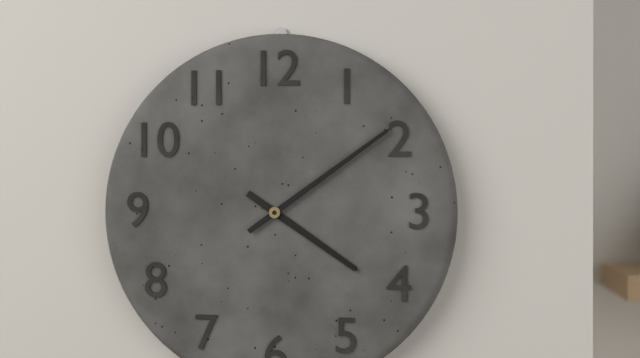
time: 4:09
